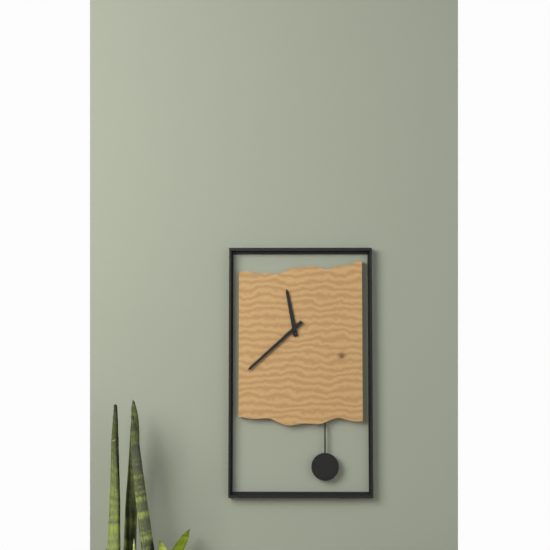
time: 11:38
